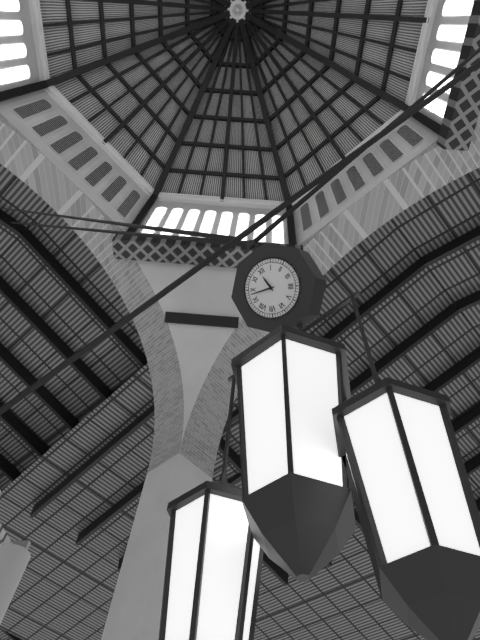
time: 11:48
